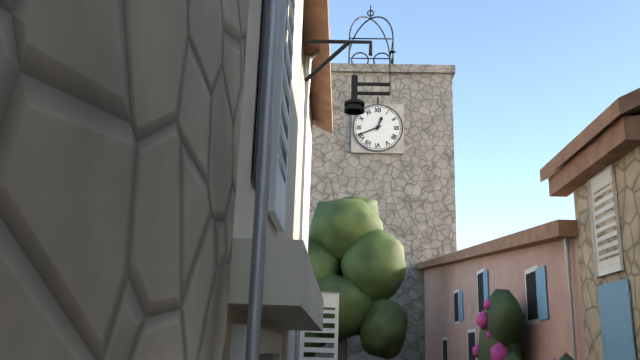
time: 12:41
